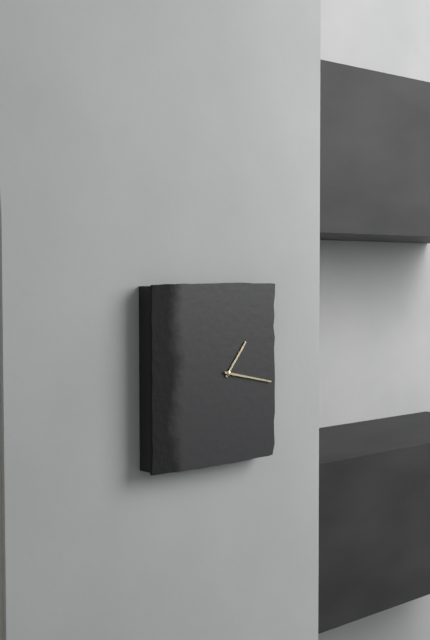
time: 1:17
